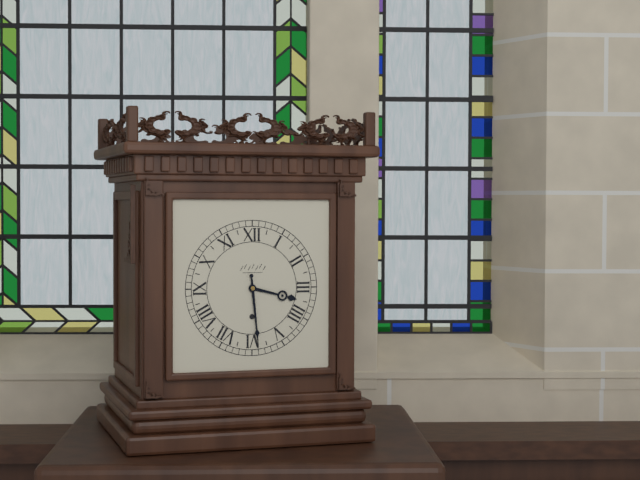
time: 3:29
